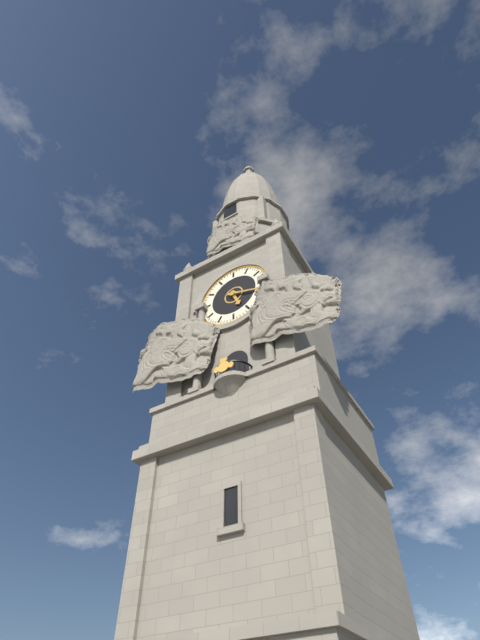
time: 5:18
